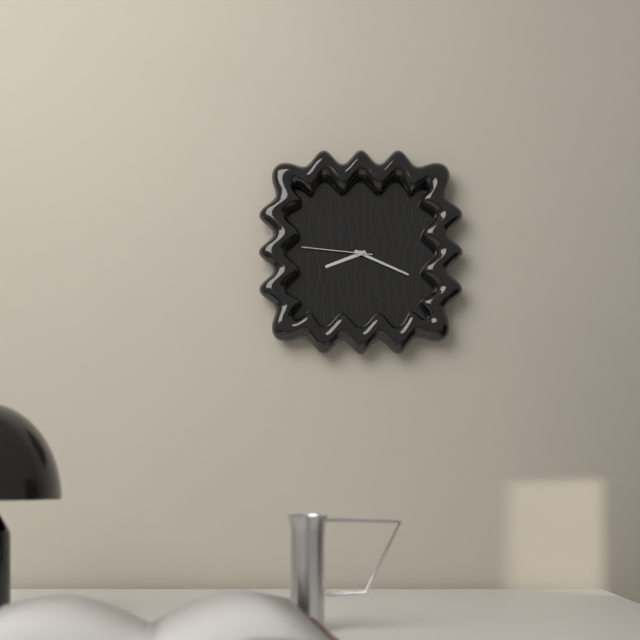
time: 8:19:46
